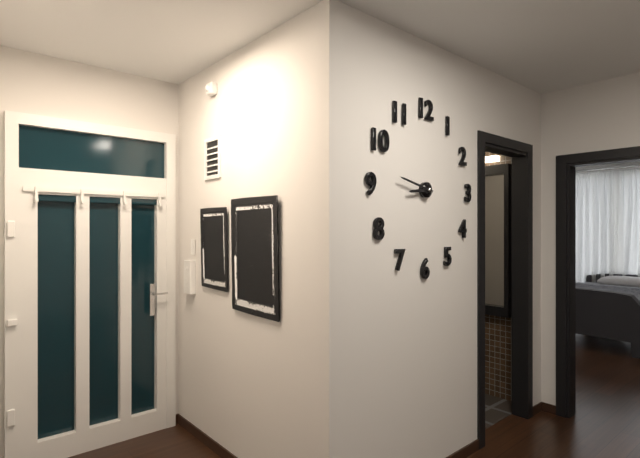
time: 8:47
